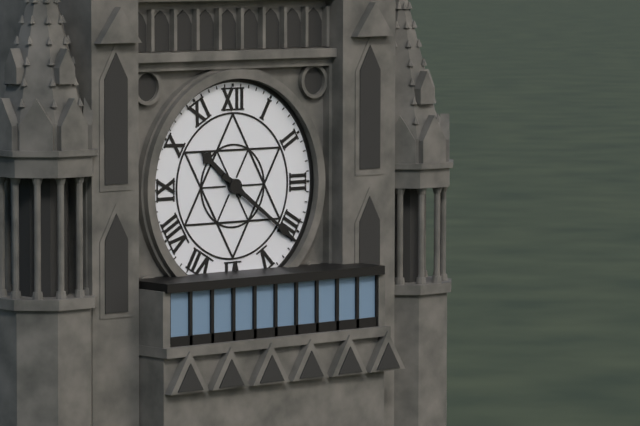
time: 10:21
